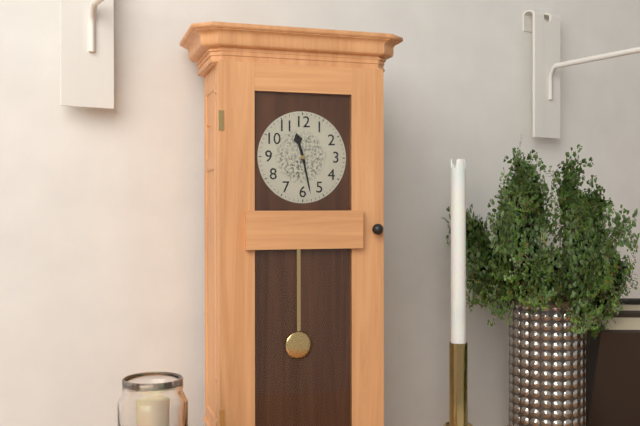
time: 11:28
